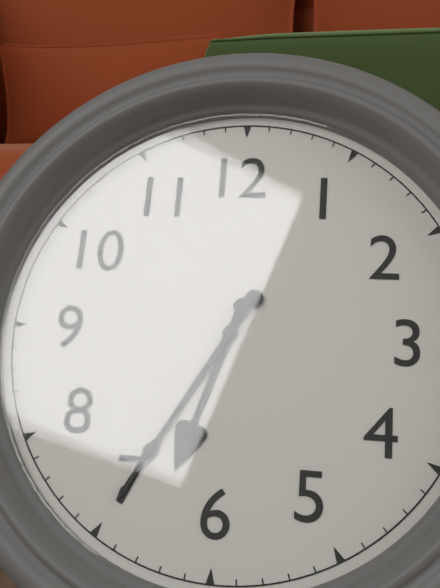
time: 6:35
